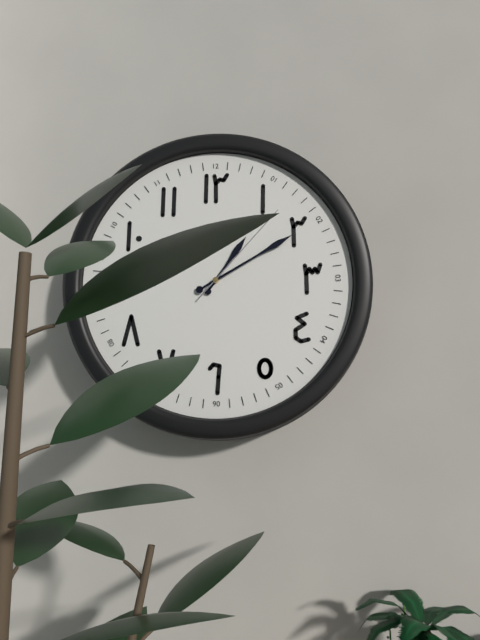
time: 1:10:07
